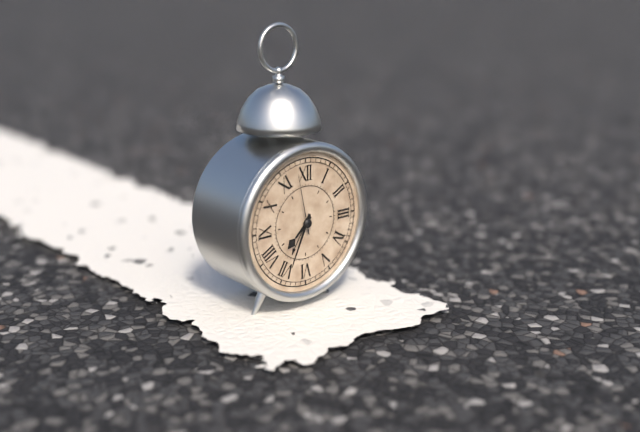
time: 7:34:58
